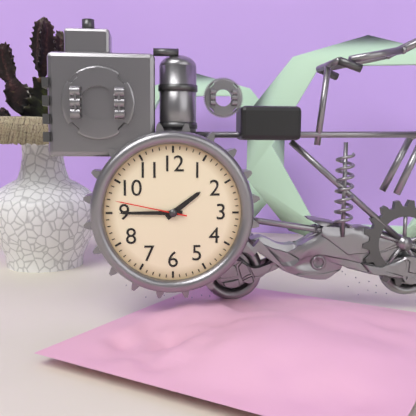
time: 1:45:47
